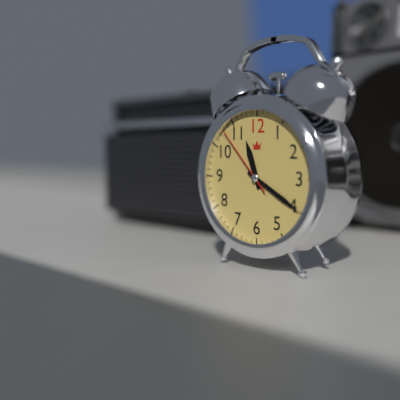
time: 11:20:53
